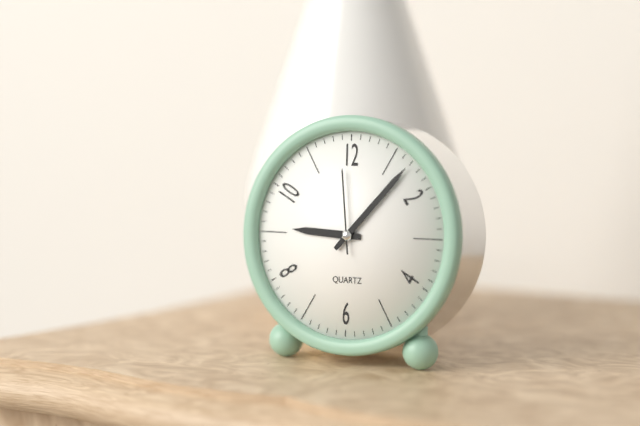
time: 9:07:59
